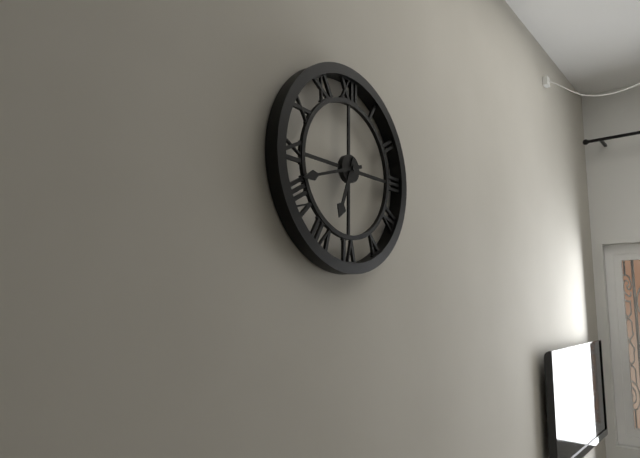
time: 6:42
